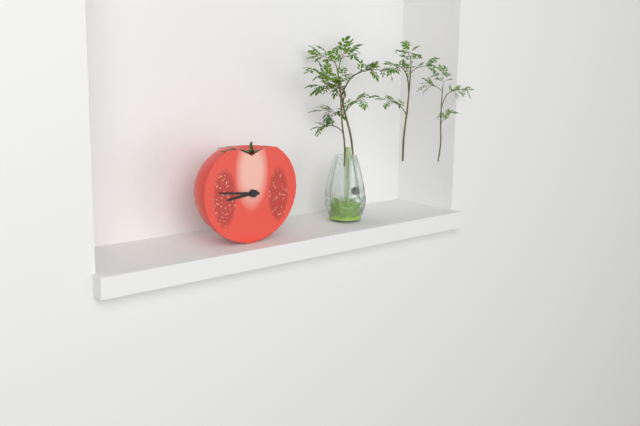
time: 8:46
